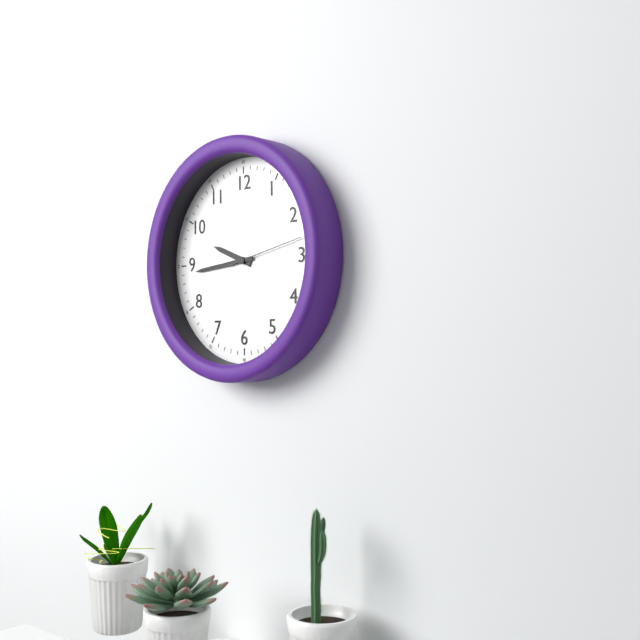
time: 9:44:13
